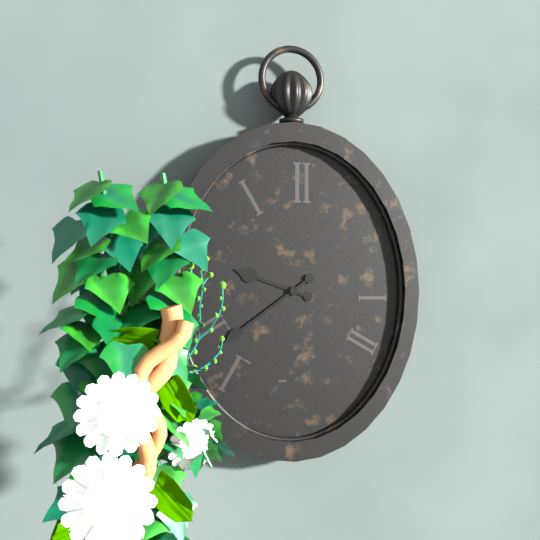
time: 9:39
